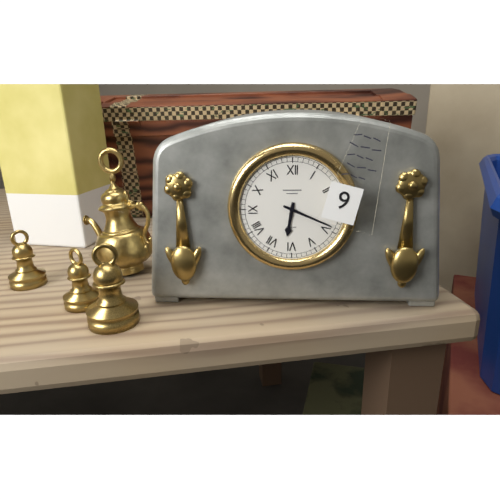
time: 6:19
